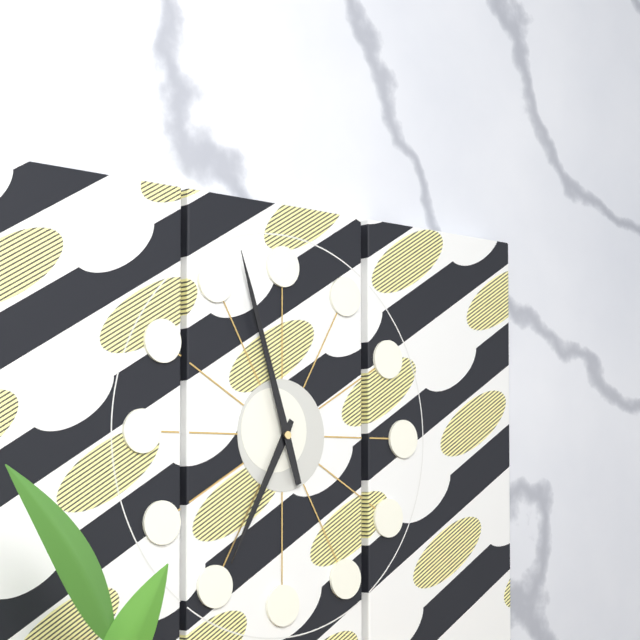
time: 6:57
